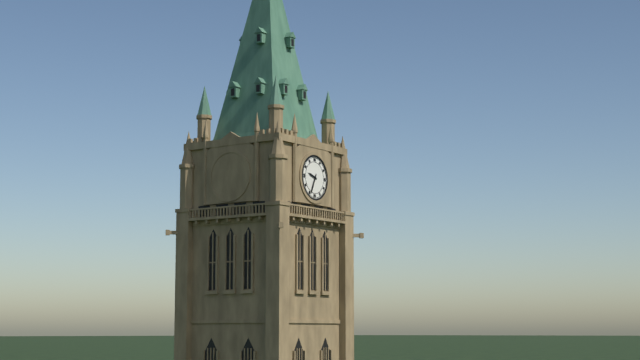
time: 9:34
